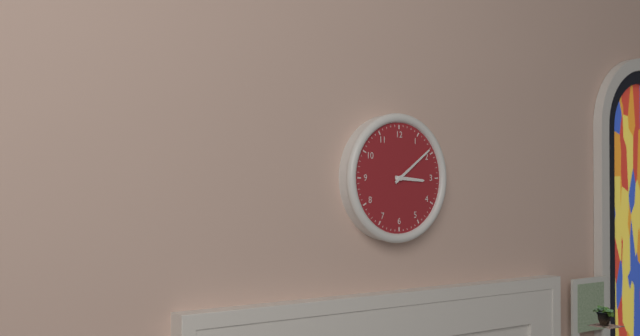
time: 3:09
